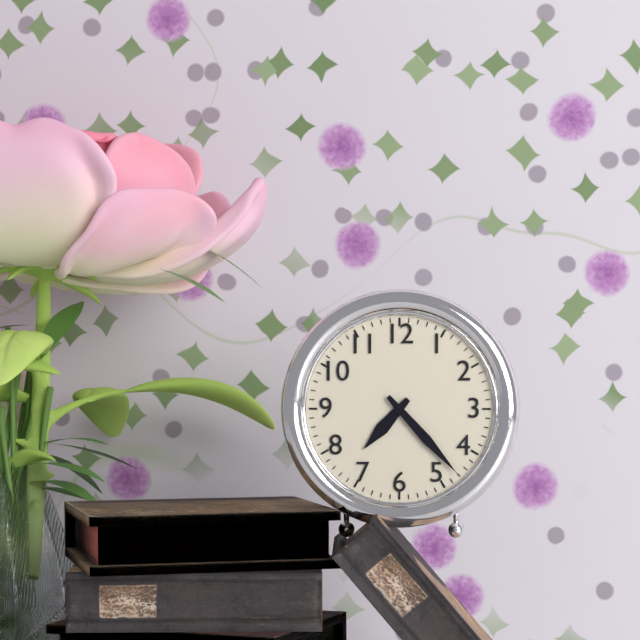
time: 7:23
